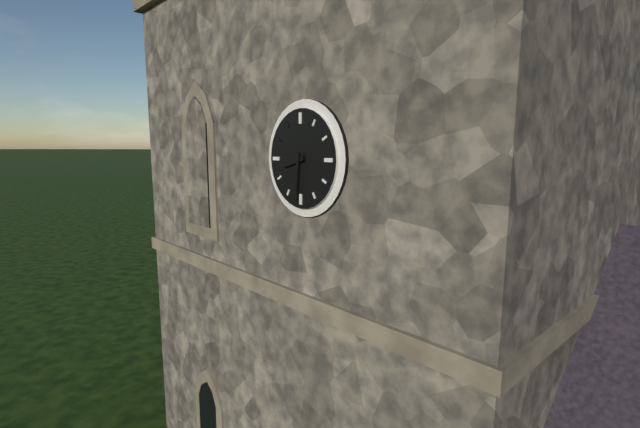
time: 8:31
